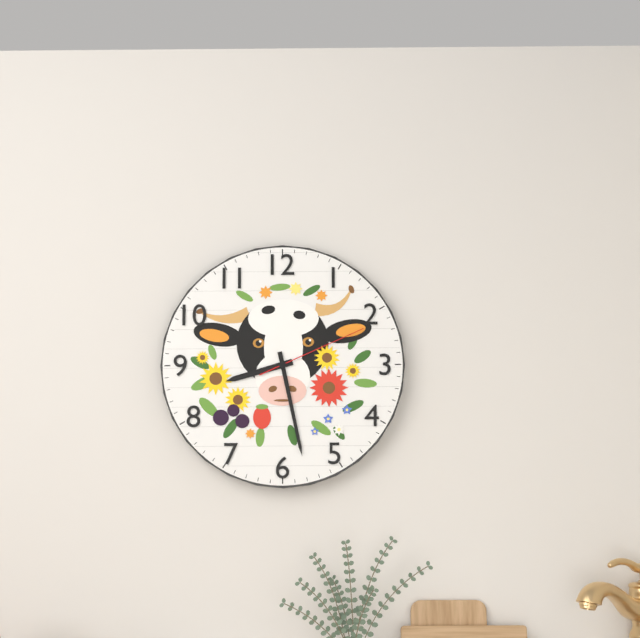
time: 8:28:11
